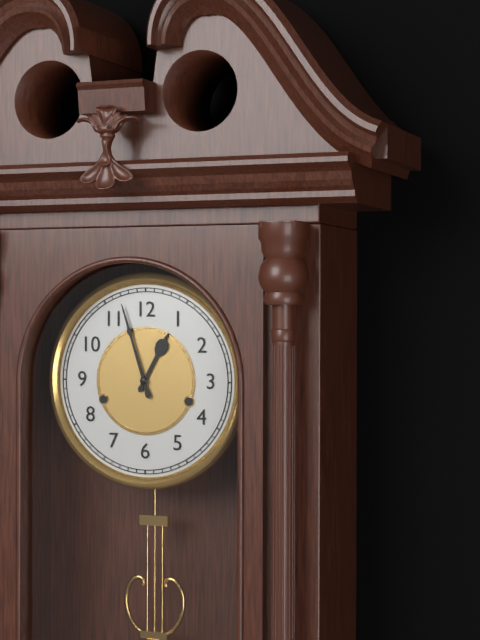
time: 12:57
